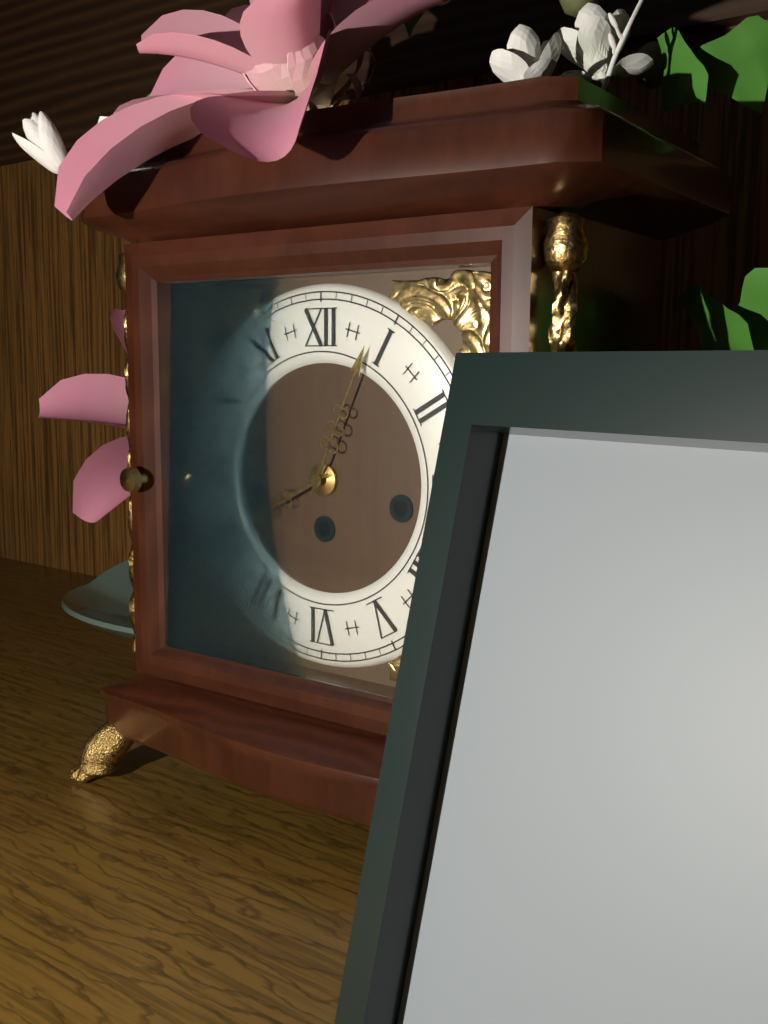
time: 8:04
